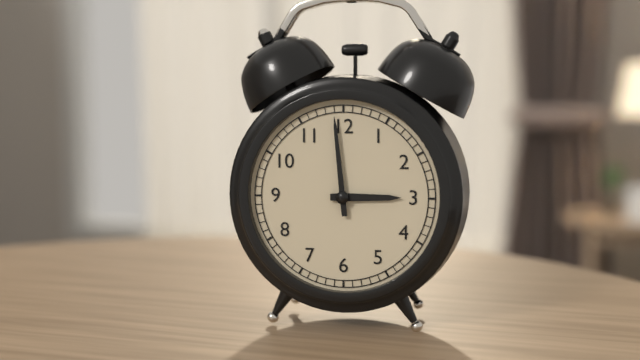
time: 2:59
